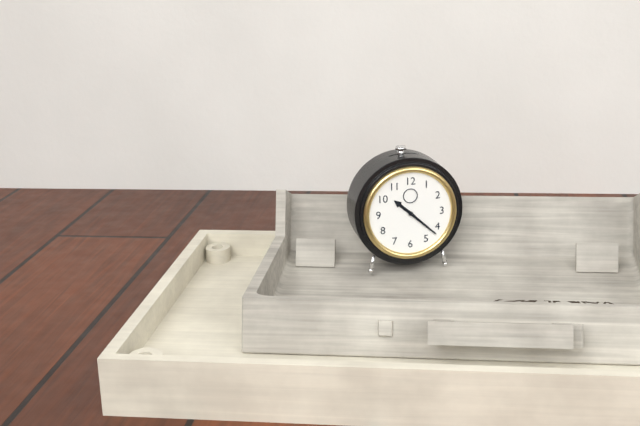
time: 10:22
